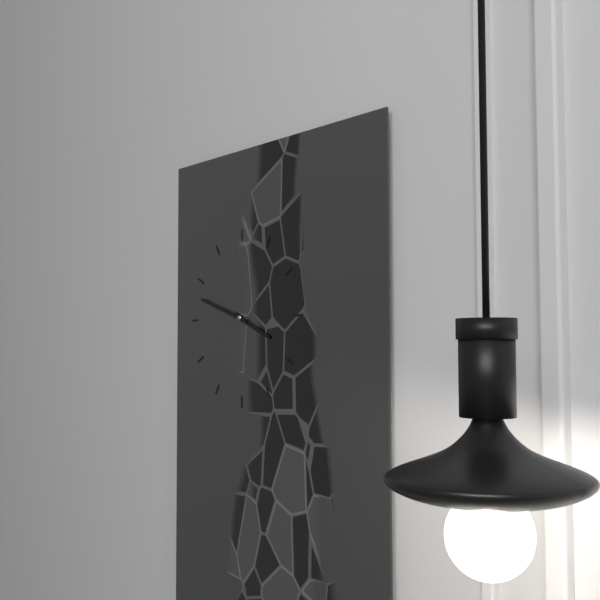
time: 3:48
